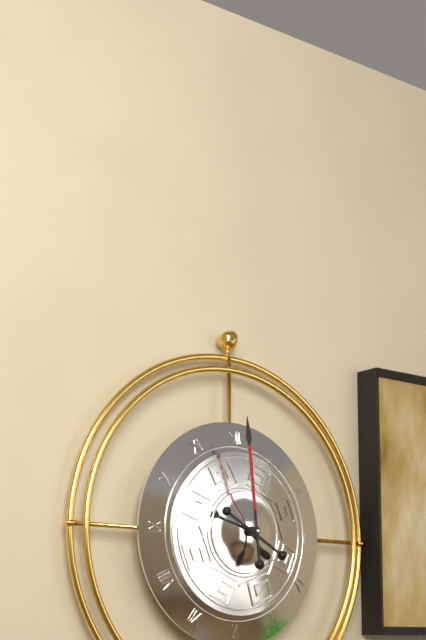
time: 3:59
